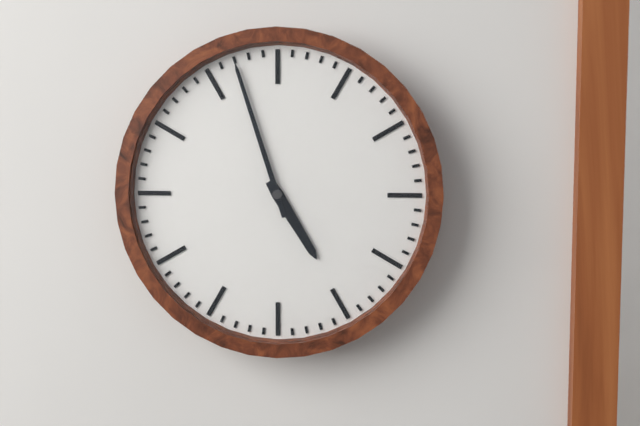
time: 4:57
